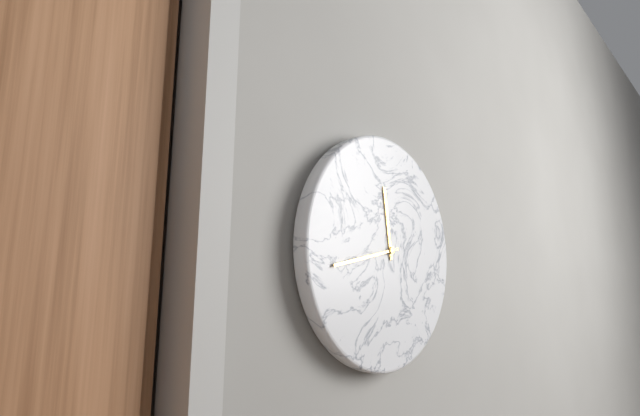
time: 11:43
